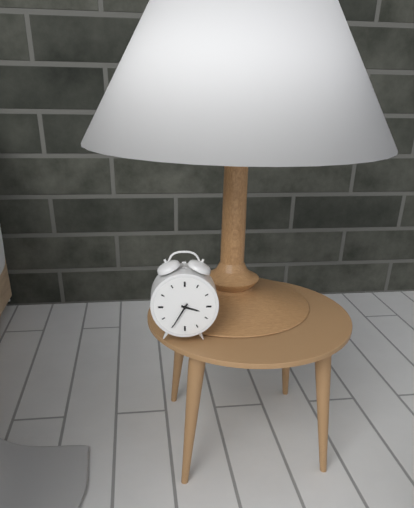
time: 3:35
